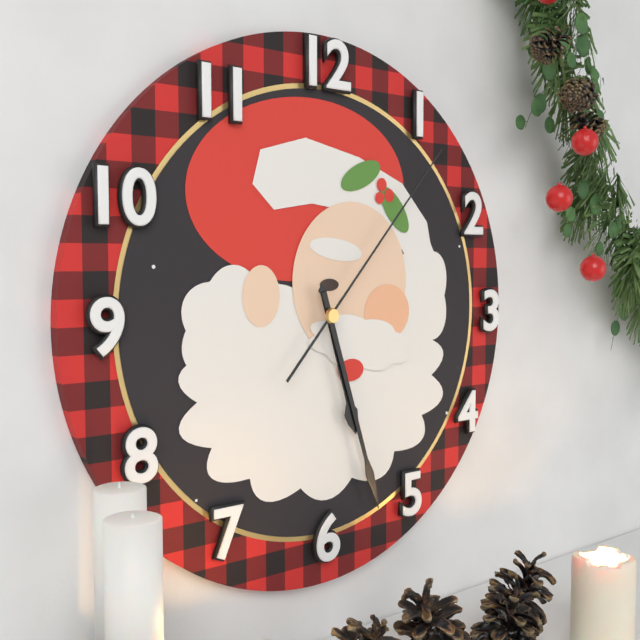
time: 5:27:07
